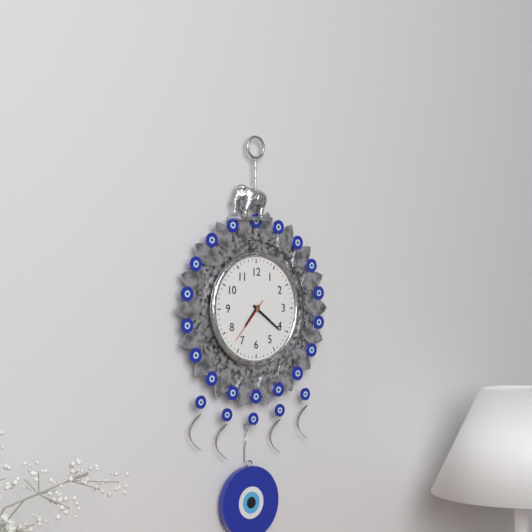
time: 7:21
